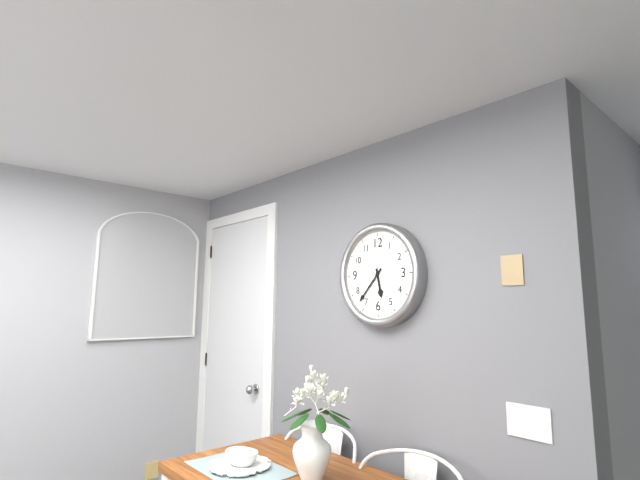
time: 5:37
